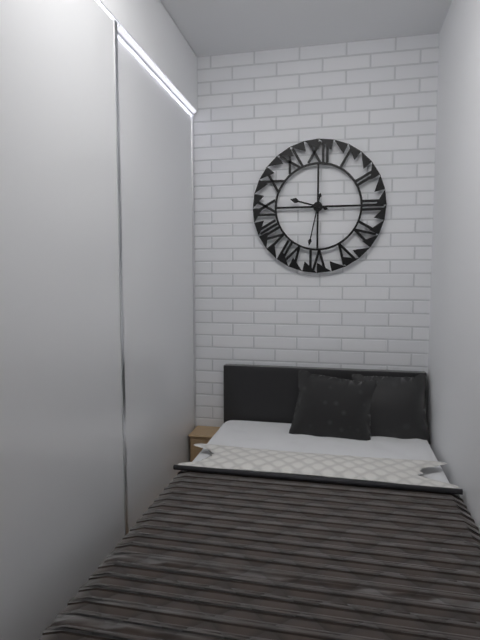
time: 9:32
